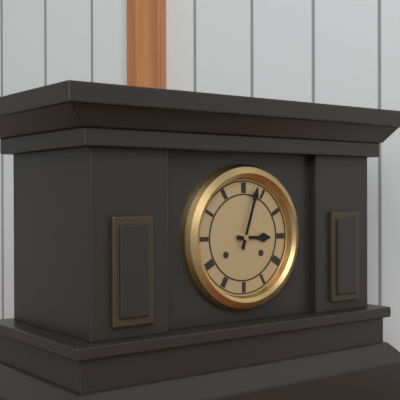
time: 3:03
